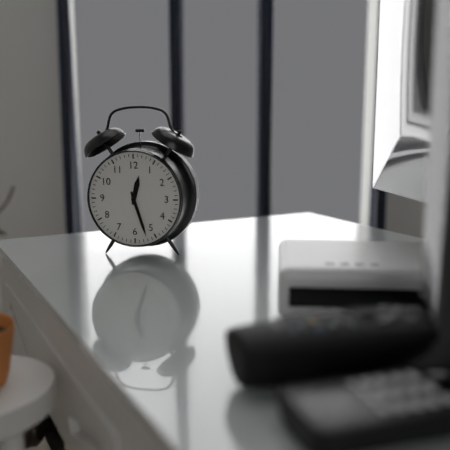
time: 12:27
